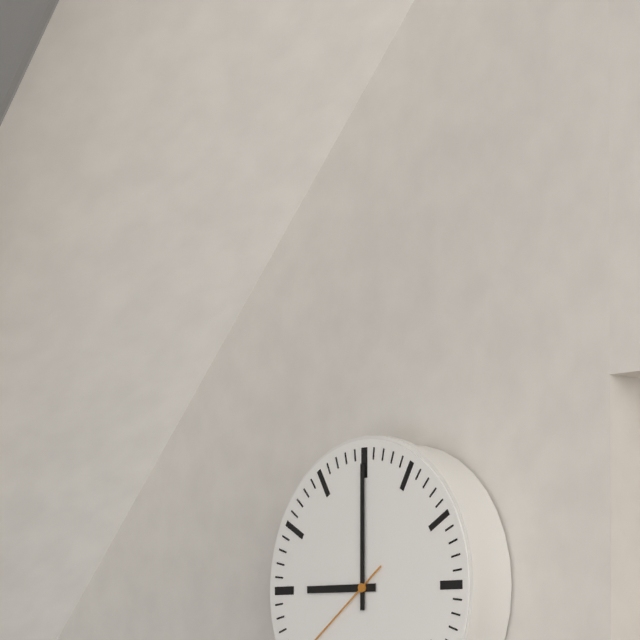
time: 9:00
